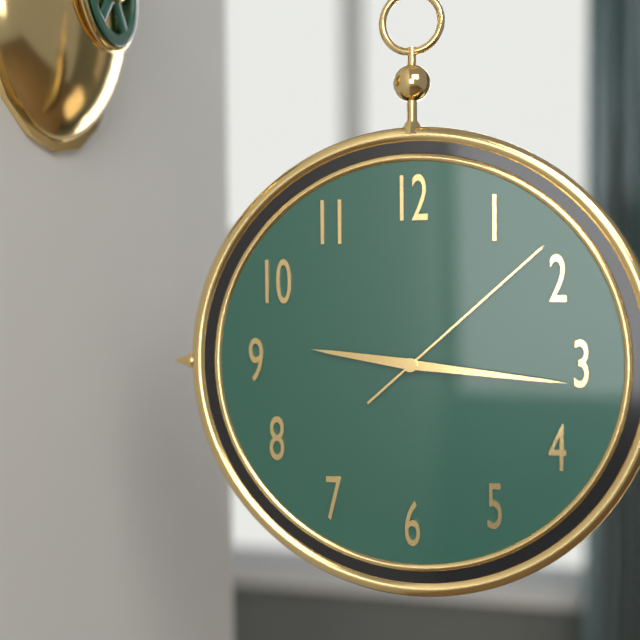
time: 9:16:08
